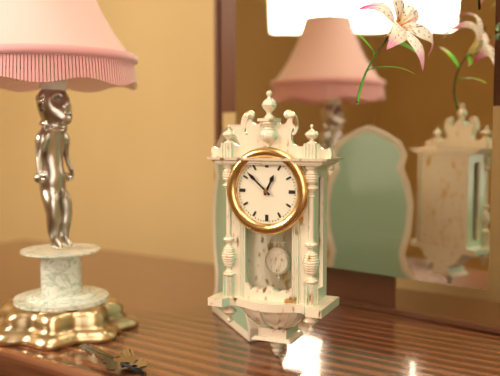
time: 12:52
